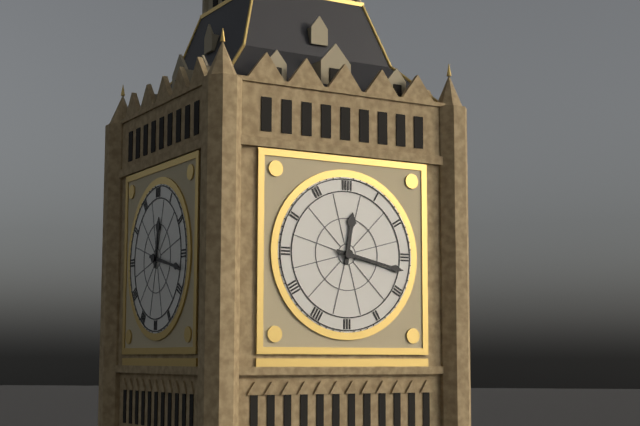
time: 12:17
